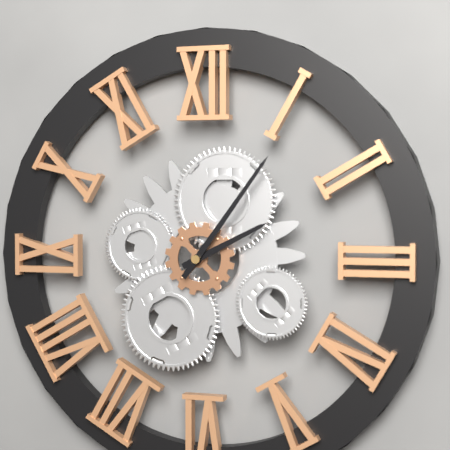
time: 2:06
